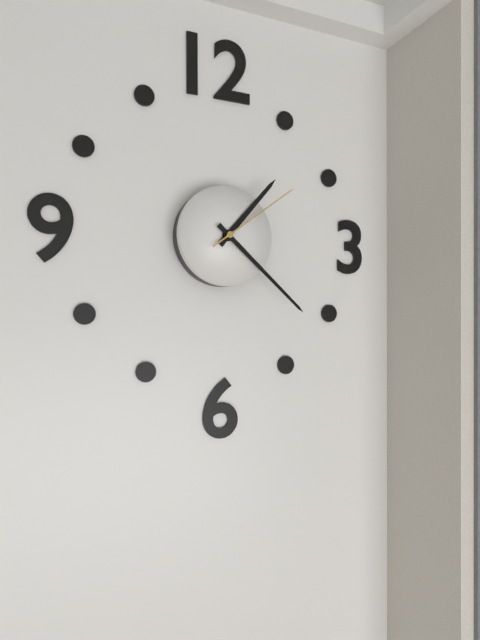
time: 1:22:09
